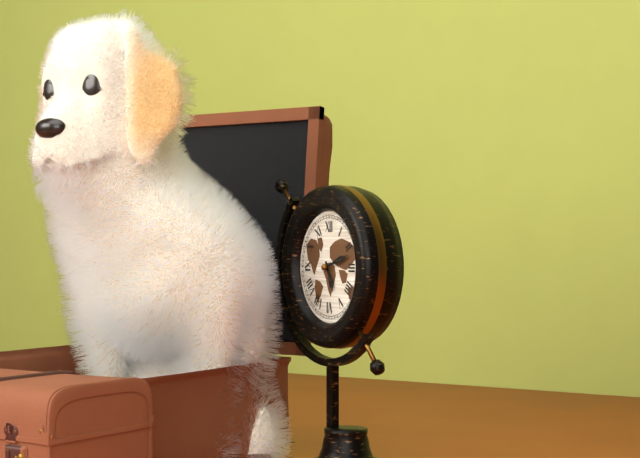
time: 5:12
